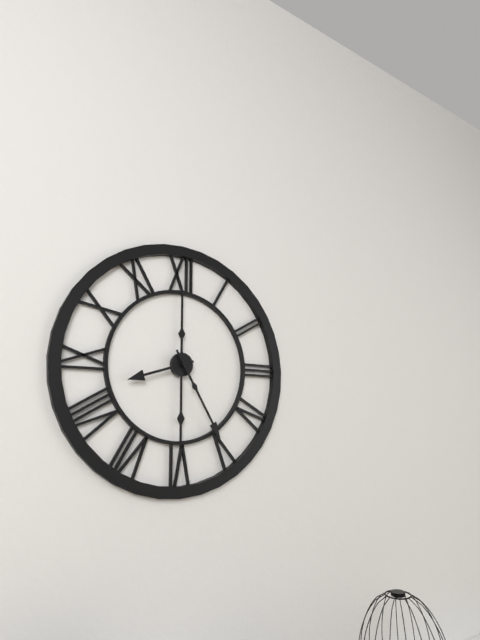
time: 8:25
